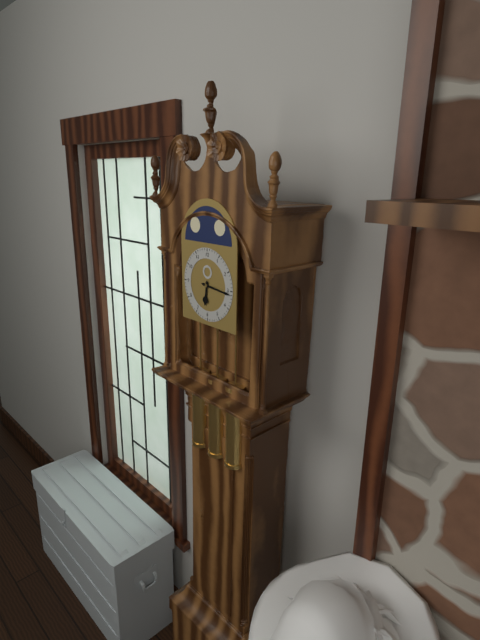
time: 6:16
